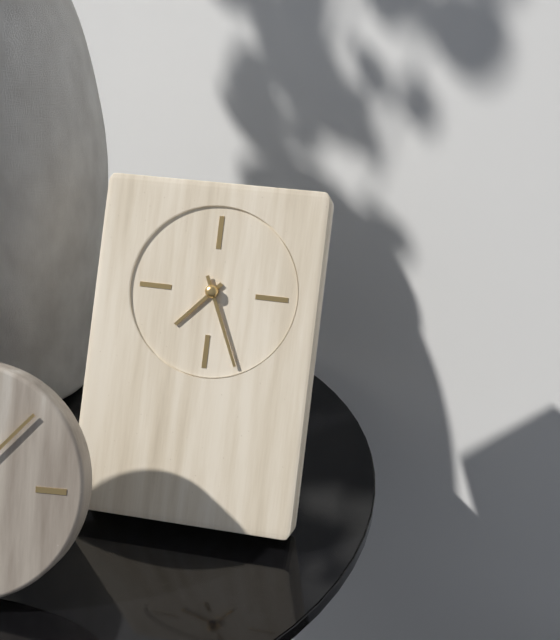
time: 7:26
